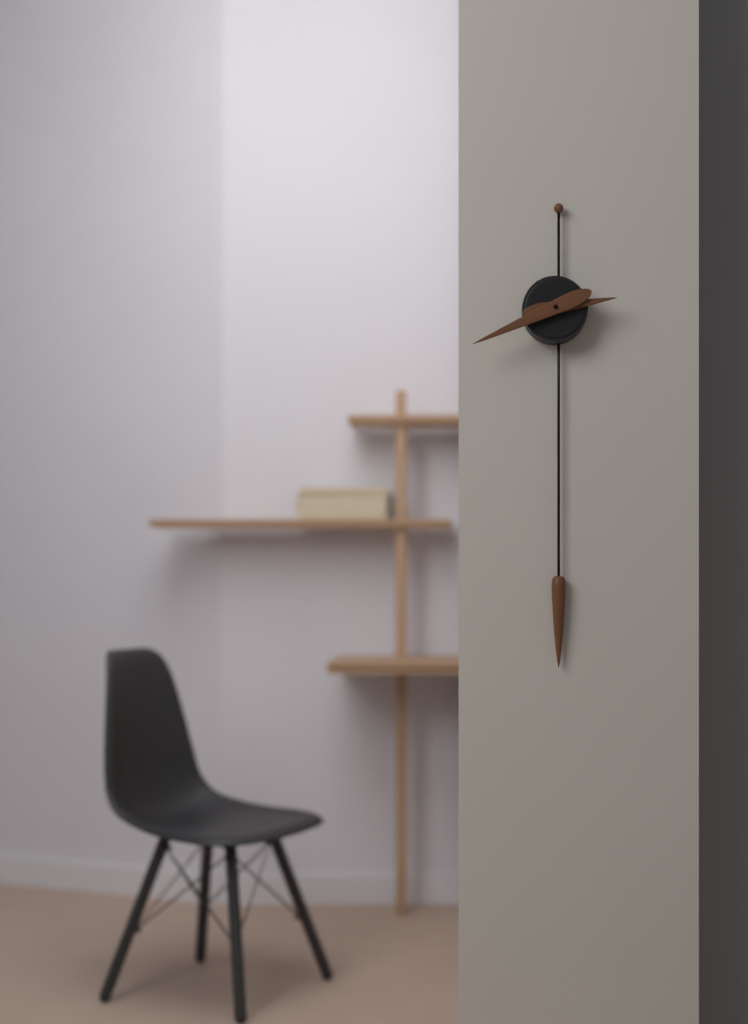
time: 2:41
